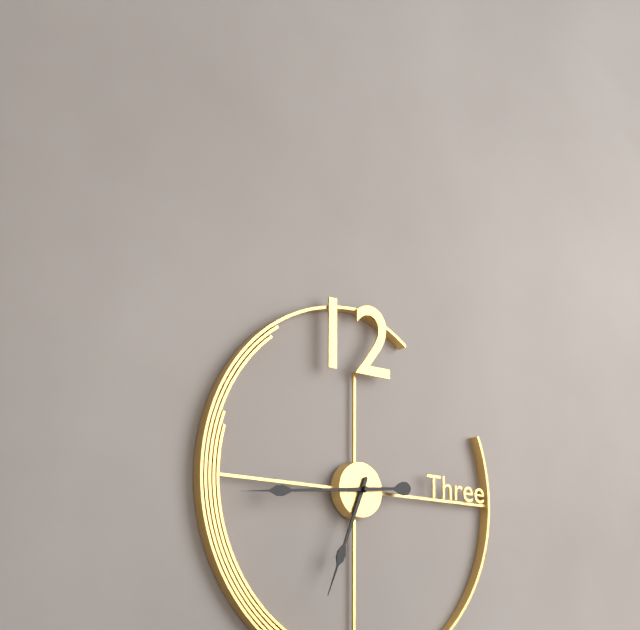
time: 6:44
